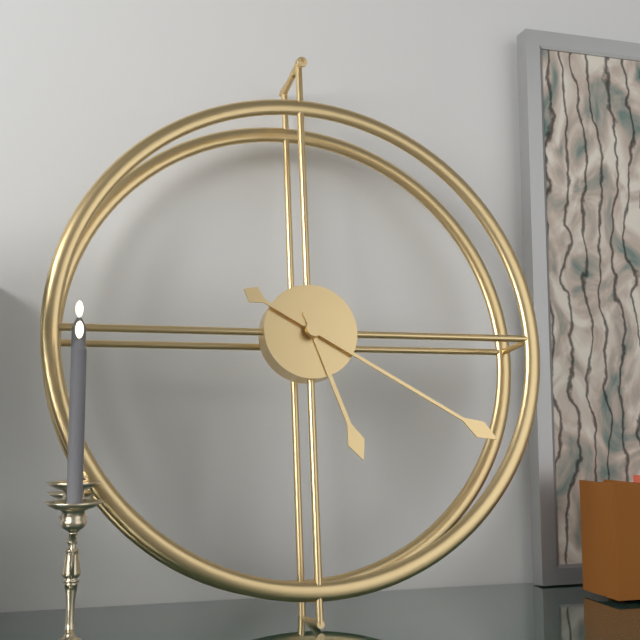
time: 5:20
